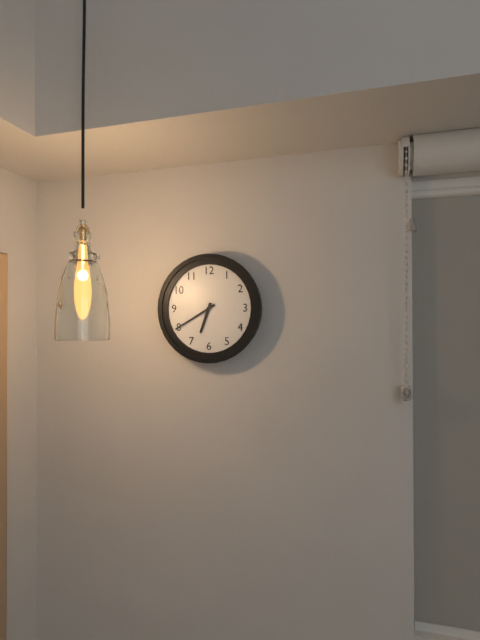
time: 6:40
